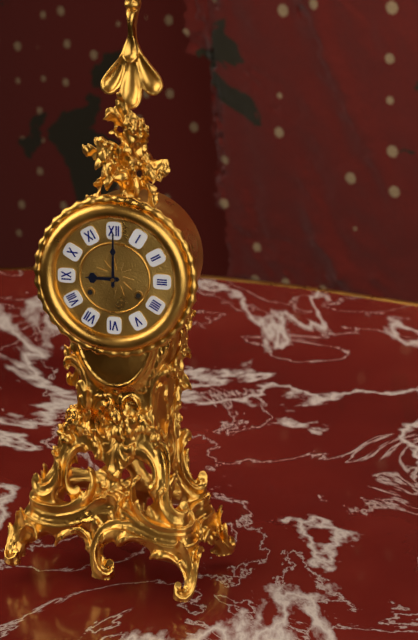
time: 9:00
